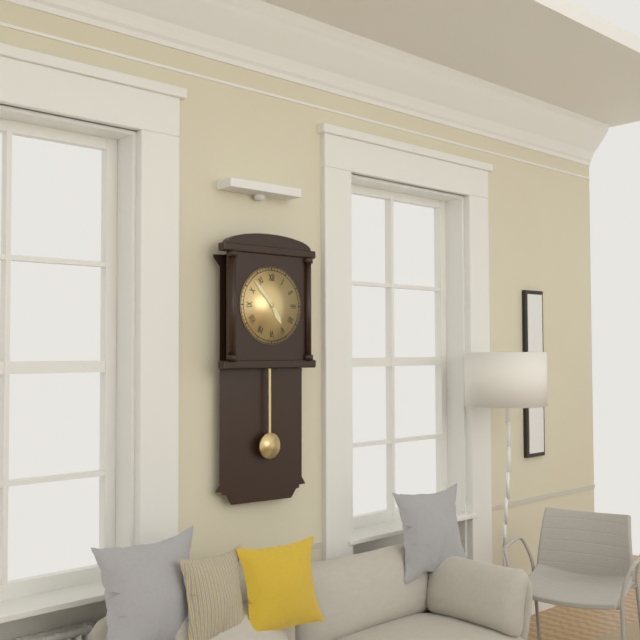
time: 4:53
